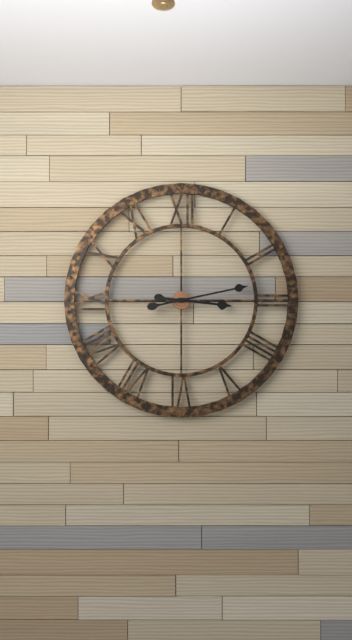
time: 3:13
